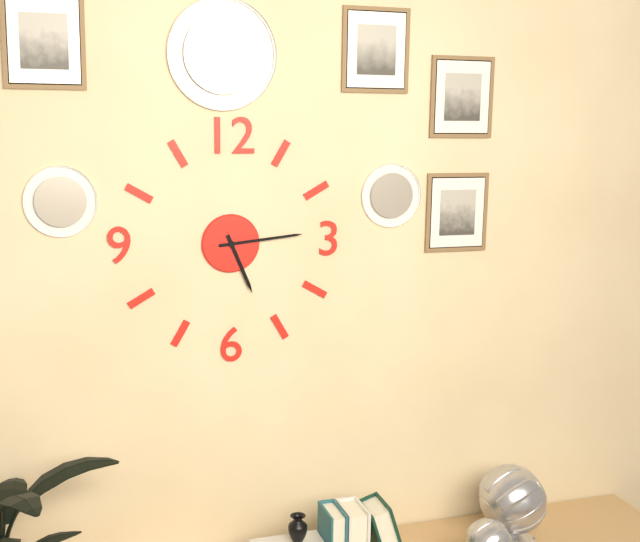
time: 5:14
